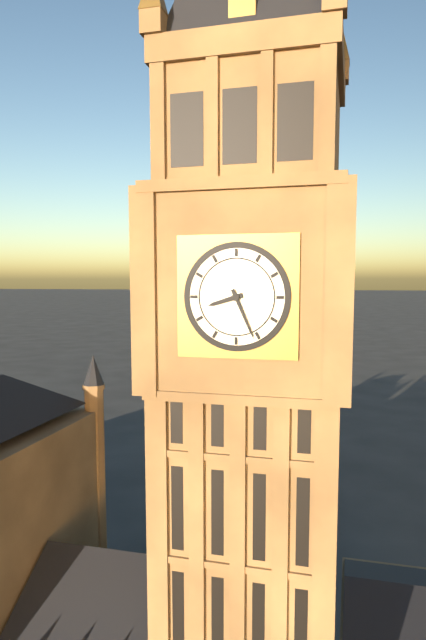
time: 8:26
